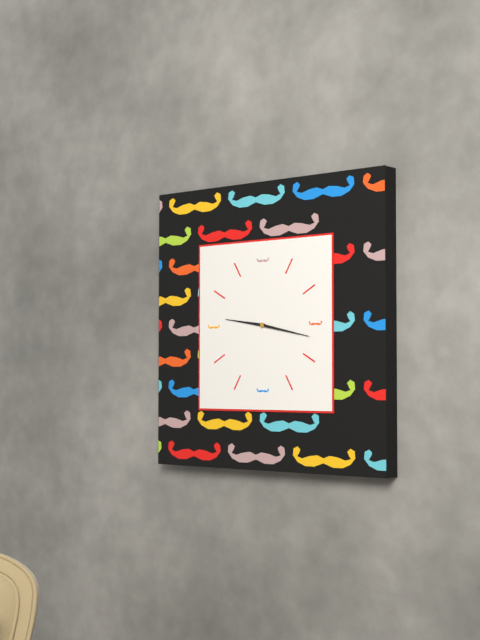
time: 9:17
